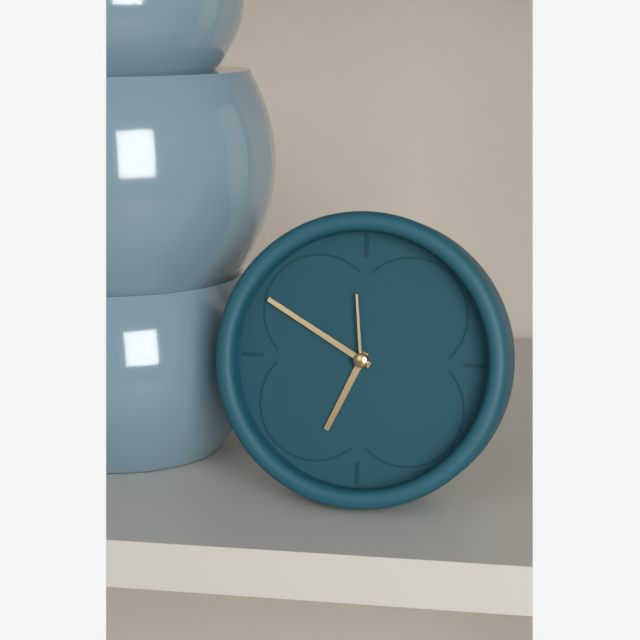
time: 6:50:59
